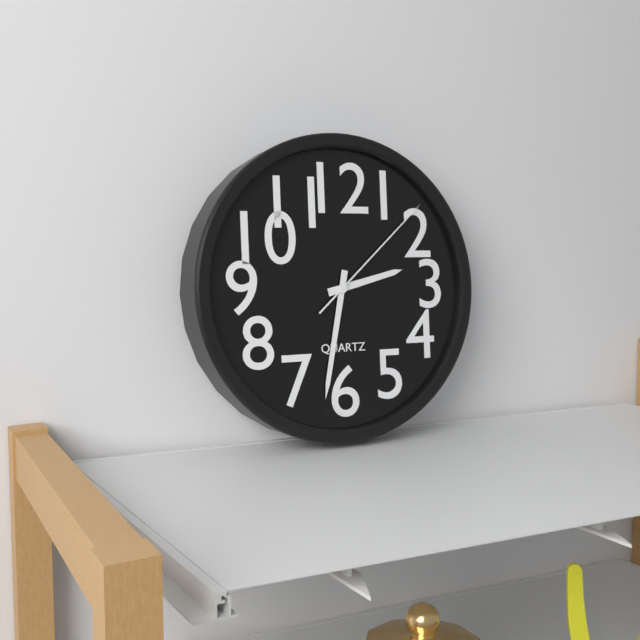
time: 2:32:08
